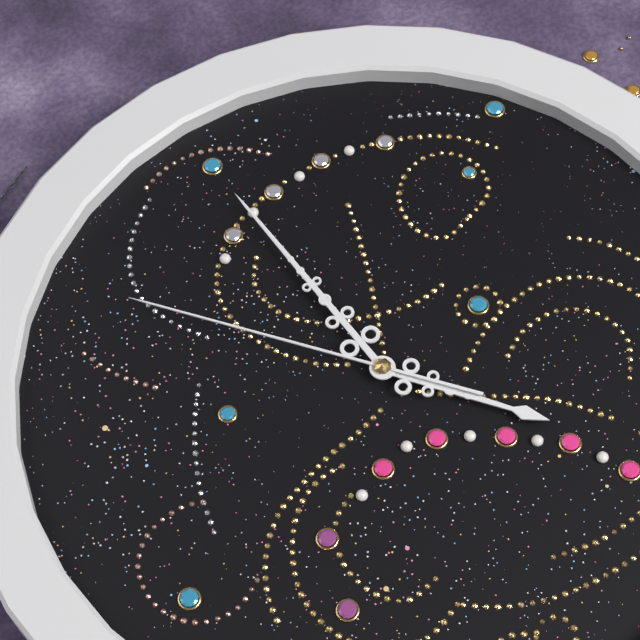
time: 10:28:22
